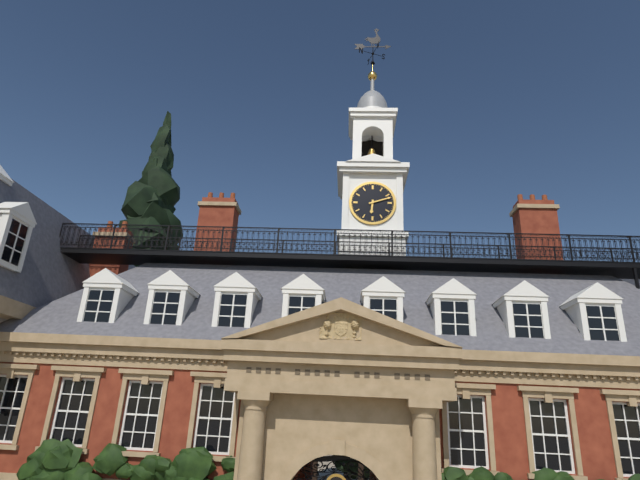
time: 6:12
